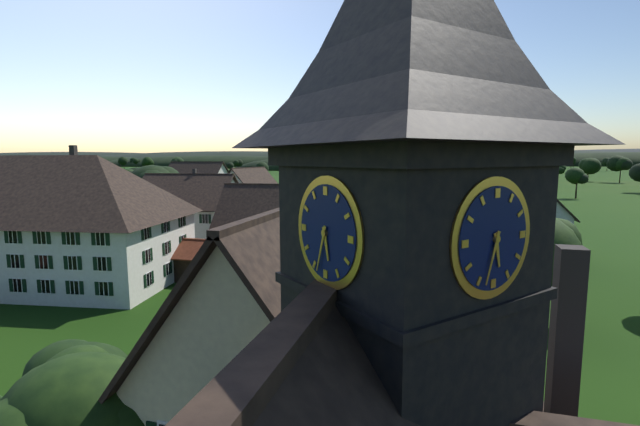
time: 5:33
